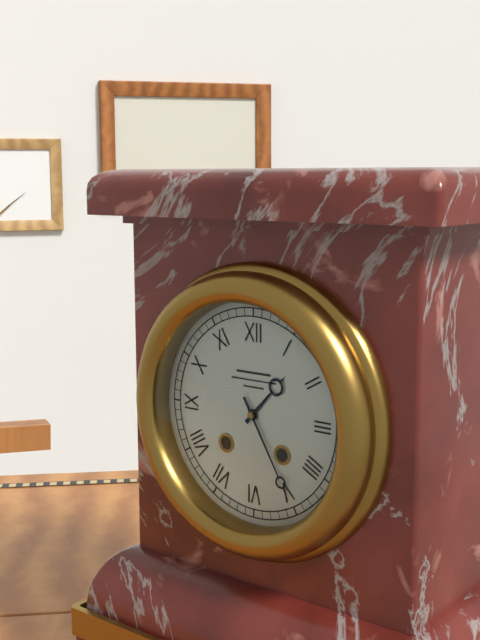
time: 1:25
